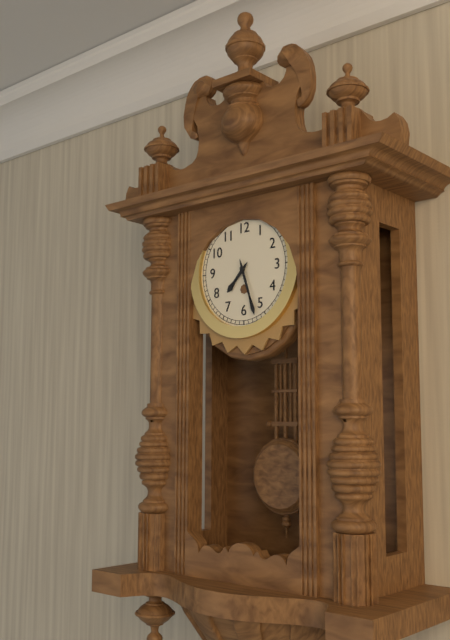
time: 7:27
